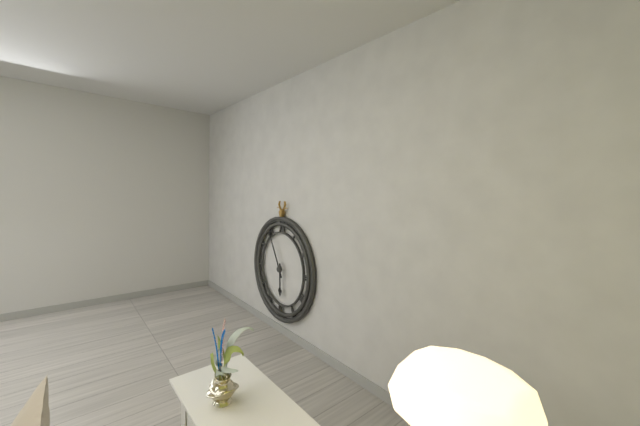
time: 5:55
